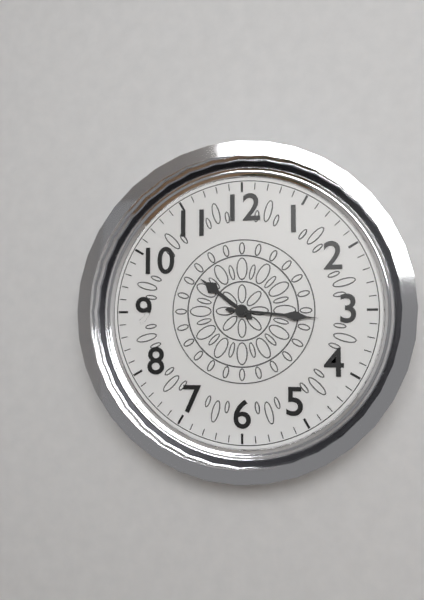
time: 10:16
